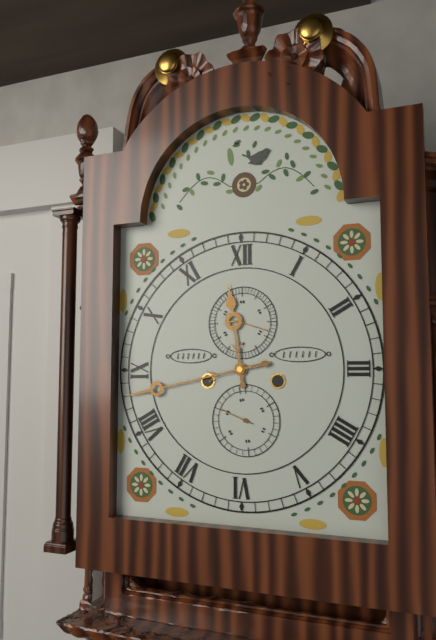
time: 11:43
